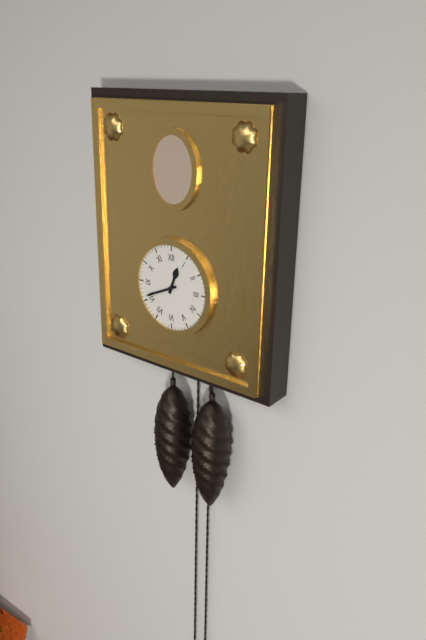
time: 12:41
